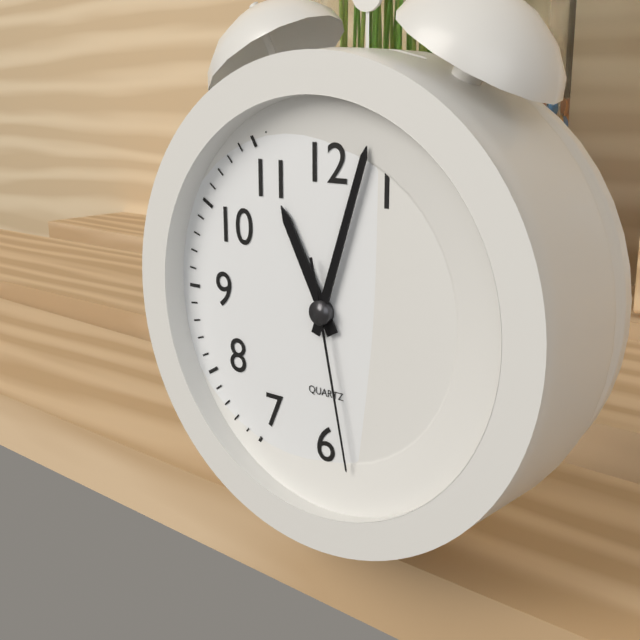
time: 11:03:28
